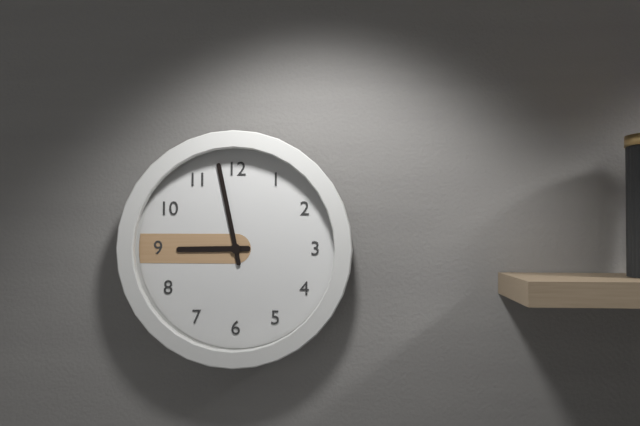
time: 8:58
